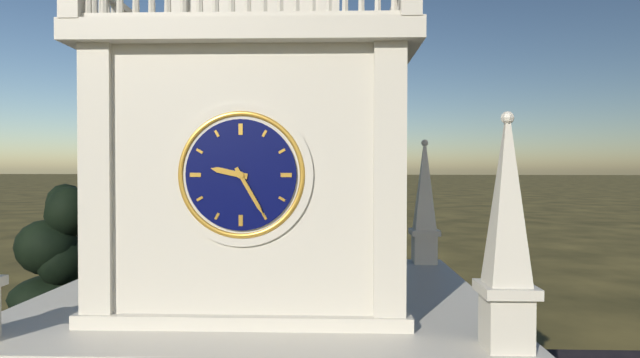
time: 9:25
